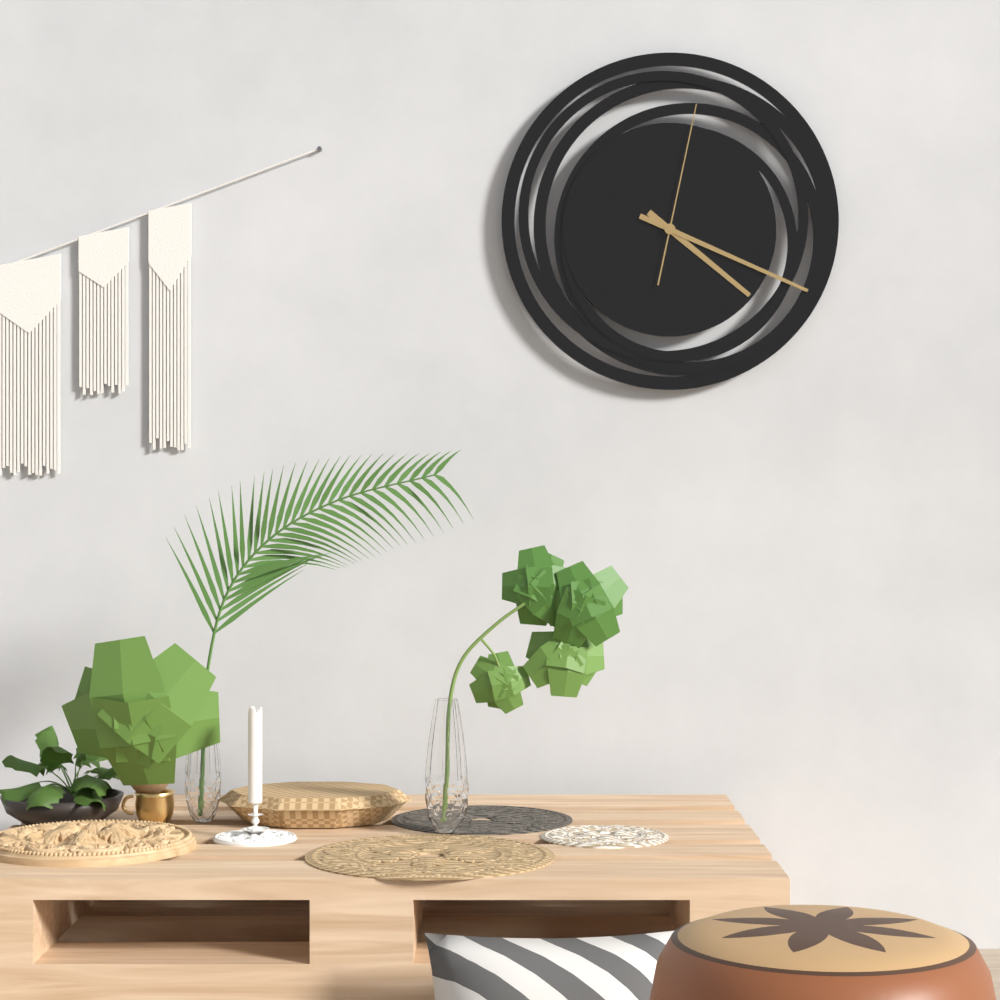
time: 4:19:02
